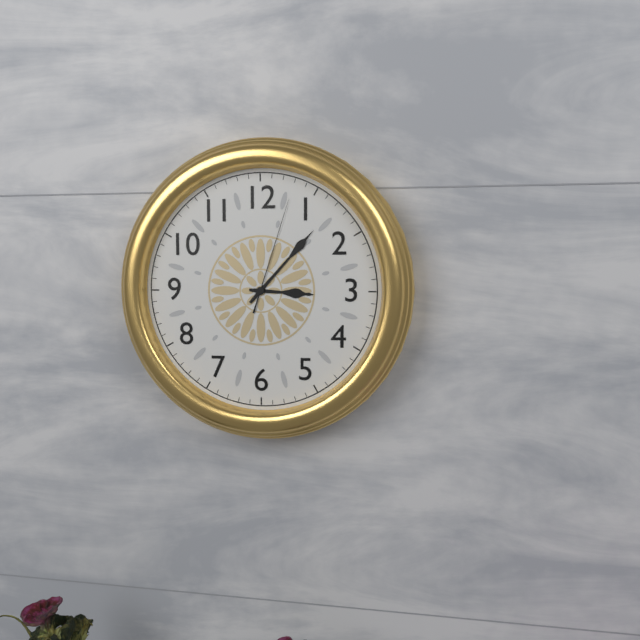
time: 3:07:03
